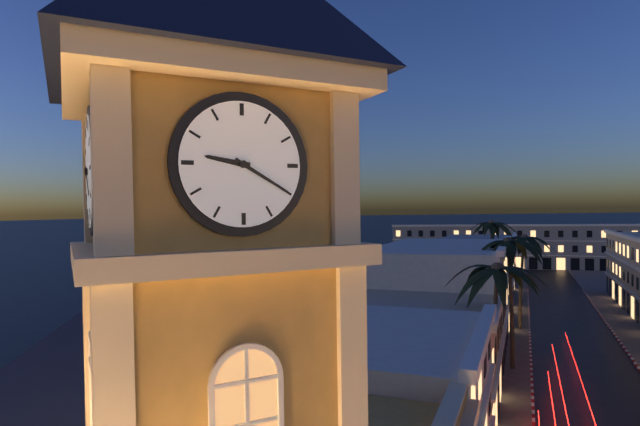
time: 9:20
